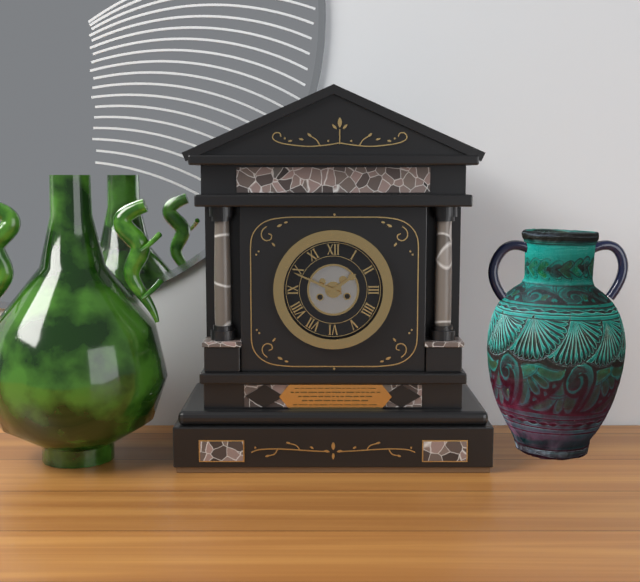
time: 1:49
